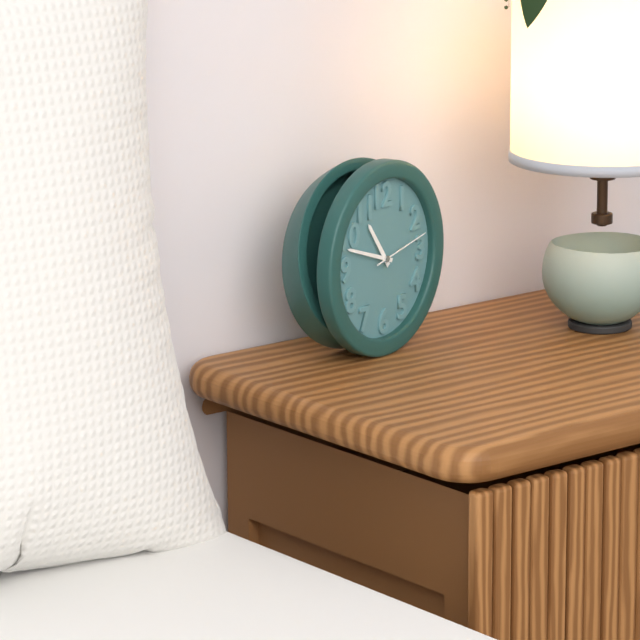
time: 10:48:13
